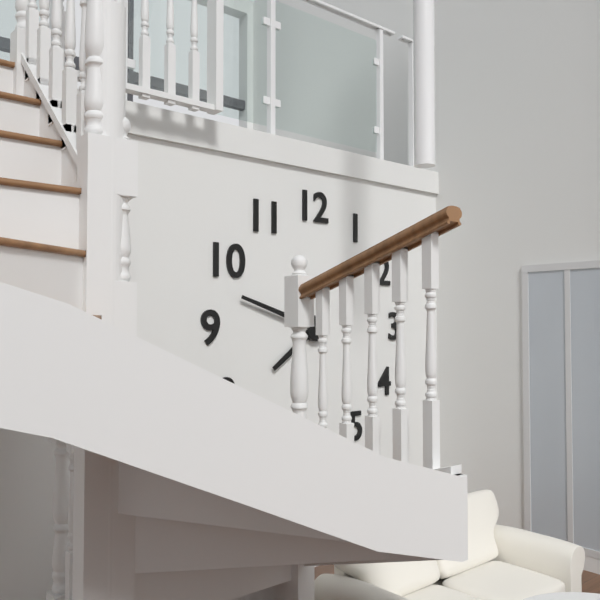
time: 7:48
